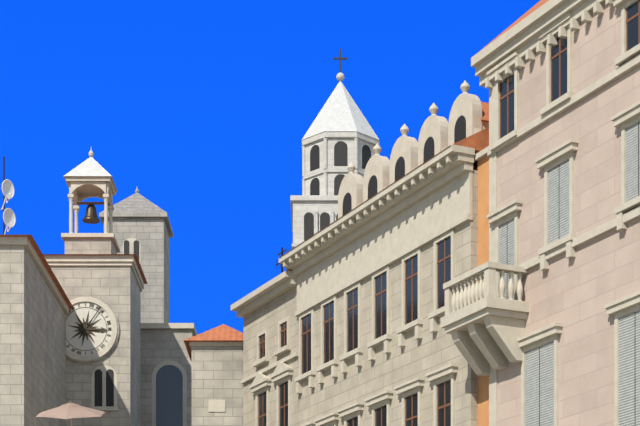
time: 3:06
